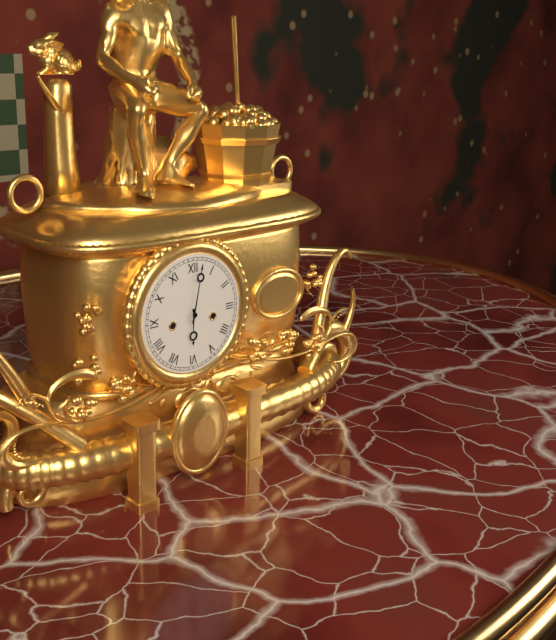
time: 6:02
